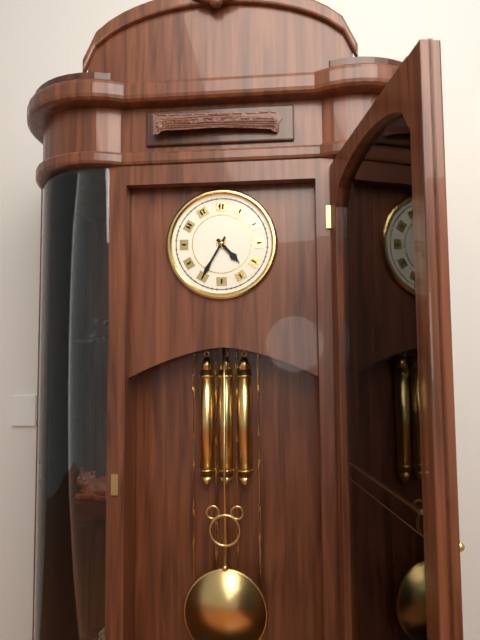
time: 4:35
